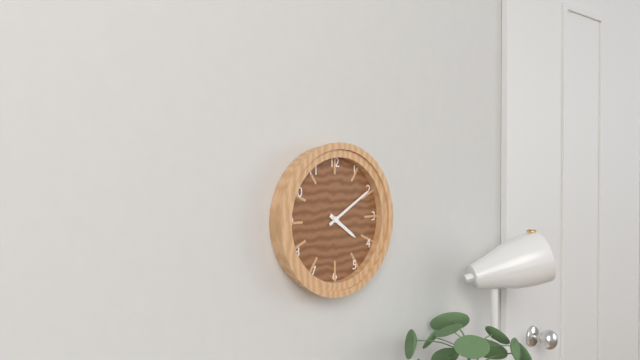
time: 4:10
